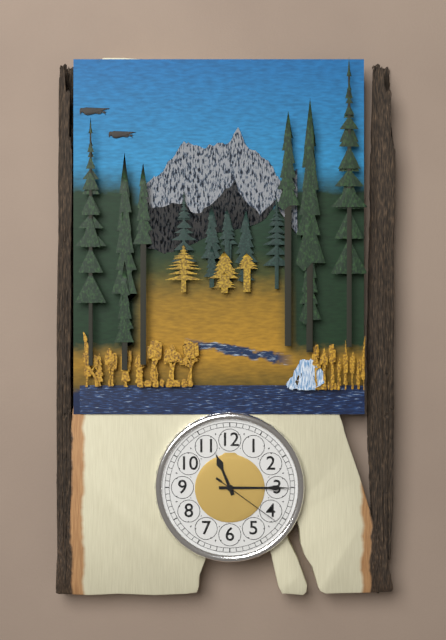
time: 11:15:21
